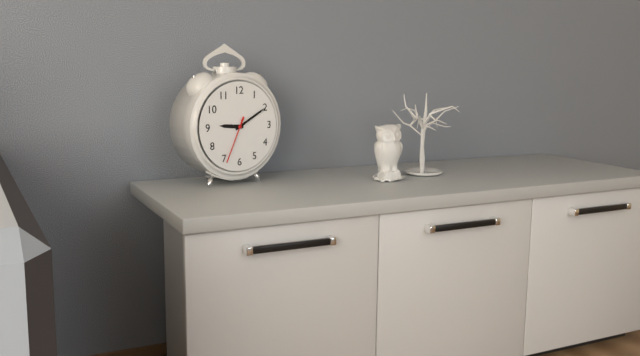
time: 9:10
